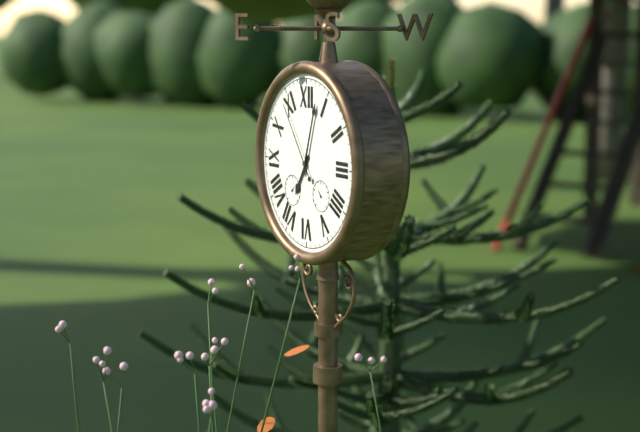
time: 7:03:54
